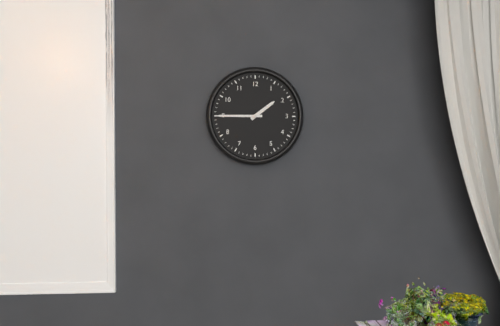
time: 1:45
